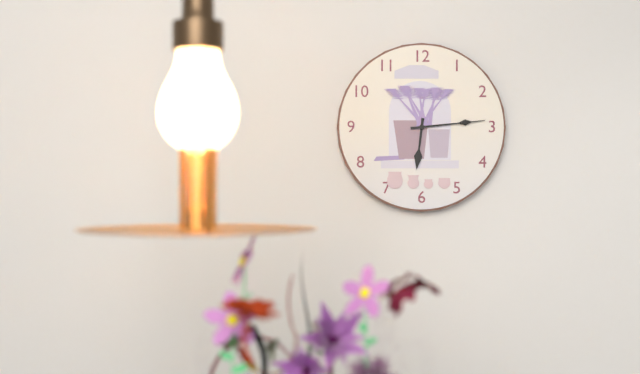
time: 6:14
